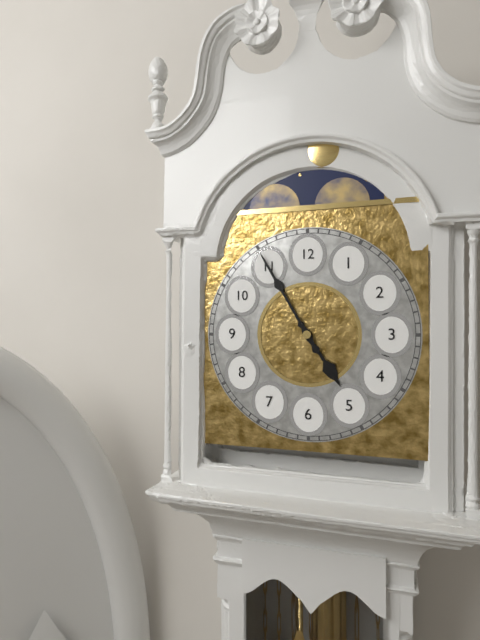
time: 4:55
